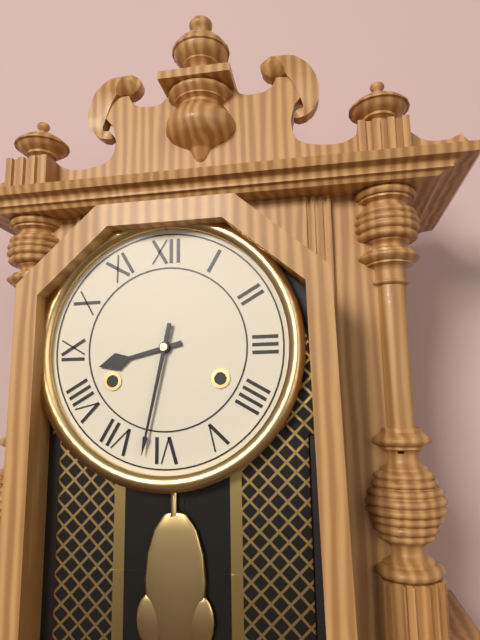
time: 8:32
